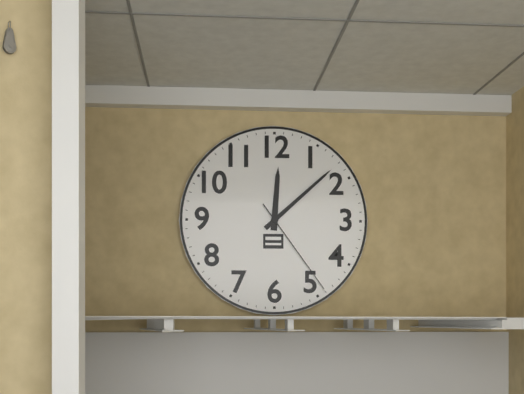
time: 12:08:24
